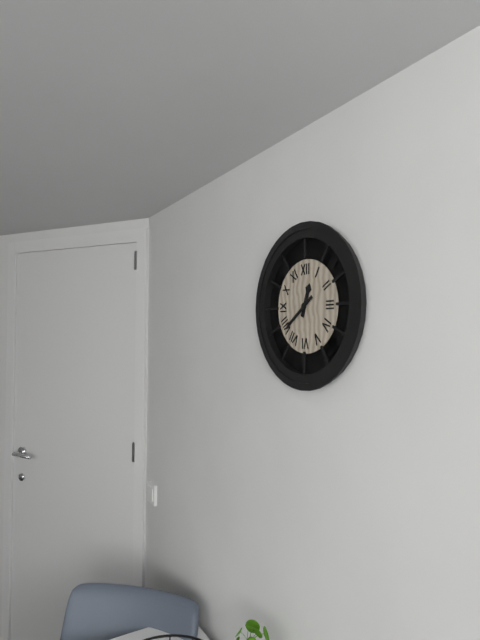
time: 12:39
